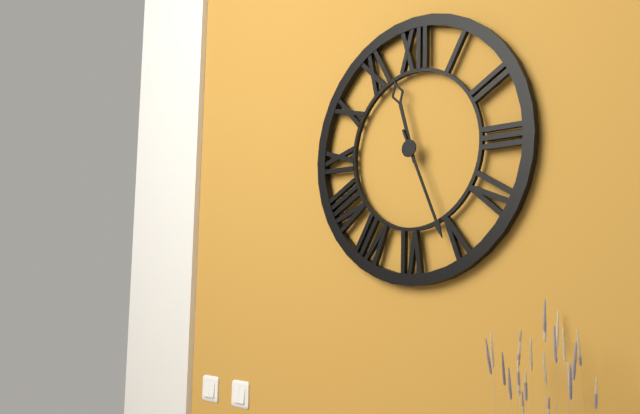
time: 11:26
